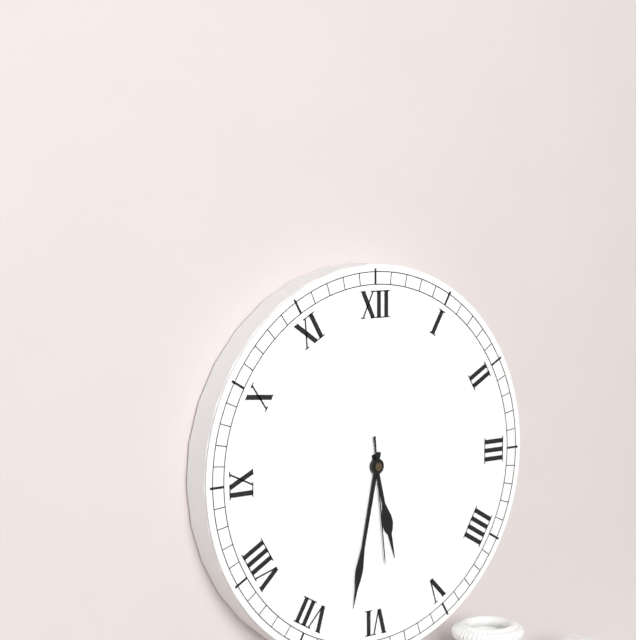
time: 5:32:29
